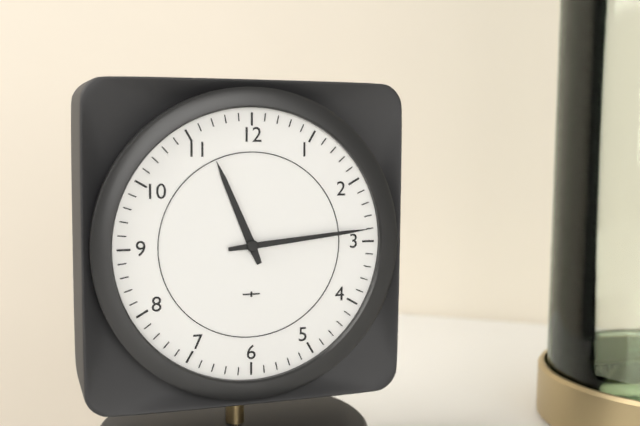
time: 11:14
